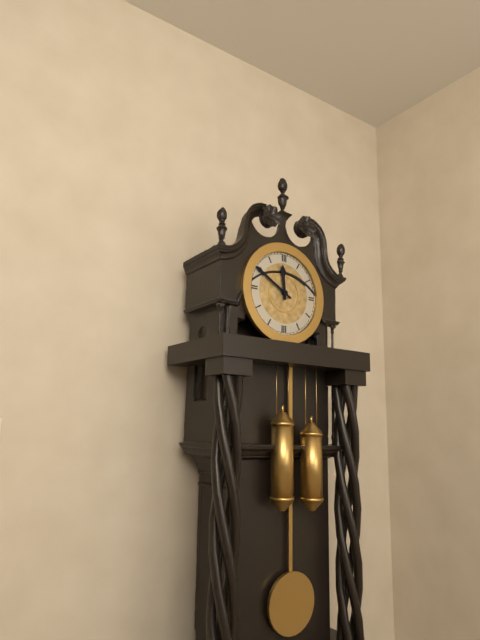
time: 11:50
